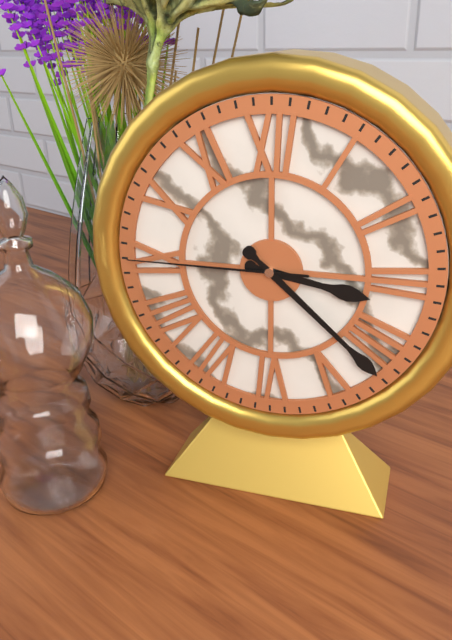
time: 3:22:45
